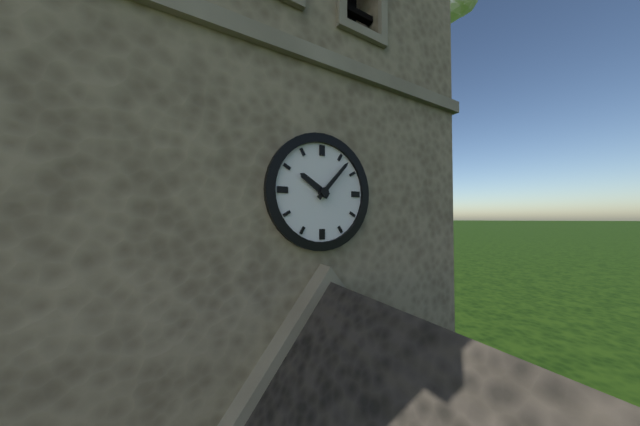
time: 10:07
